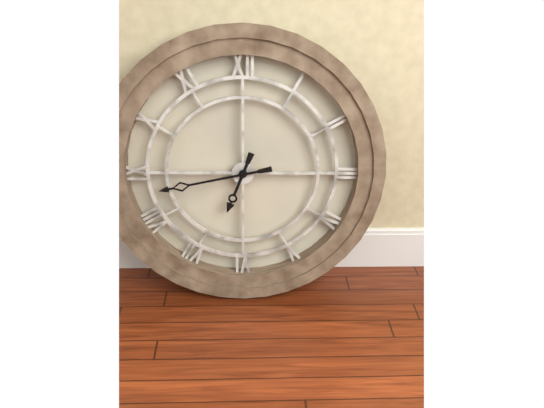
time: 6:43
